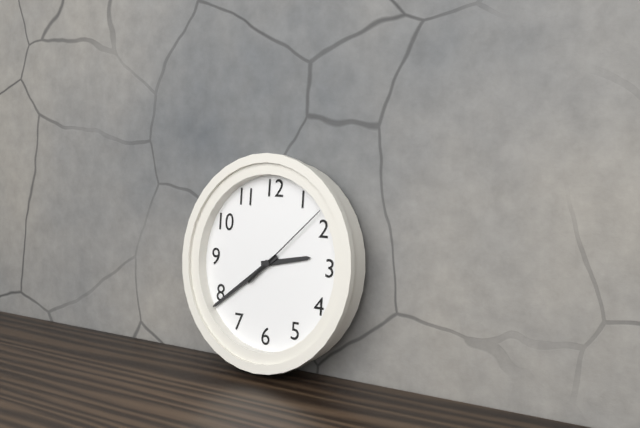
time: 2:39:08
